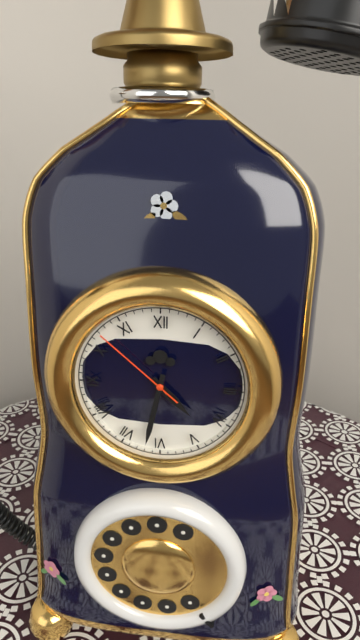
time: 4:32:52
